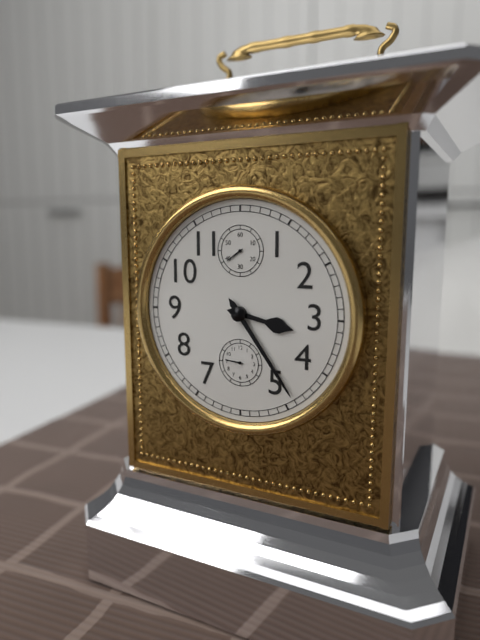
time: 3:24
